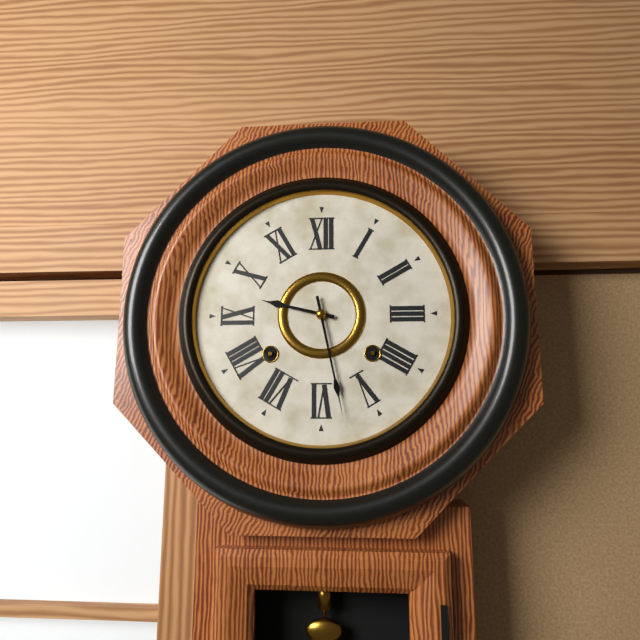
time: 9:28
